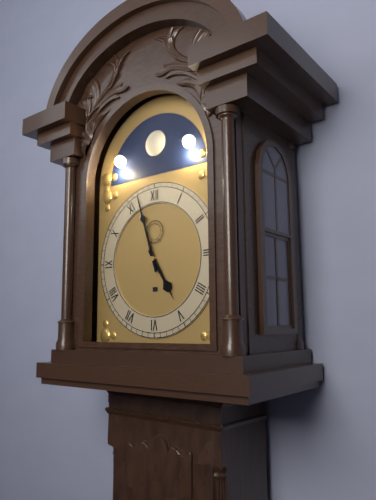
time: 4:57
